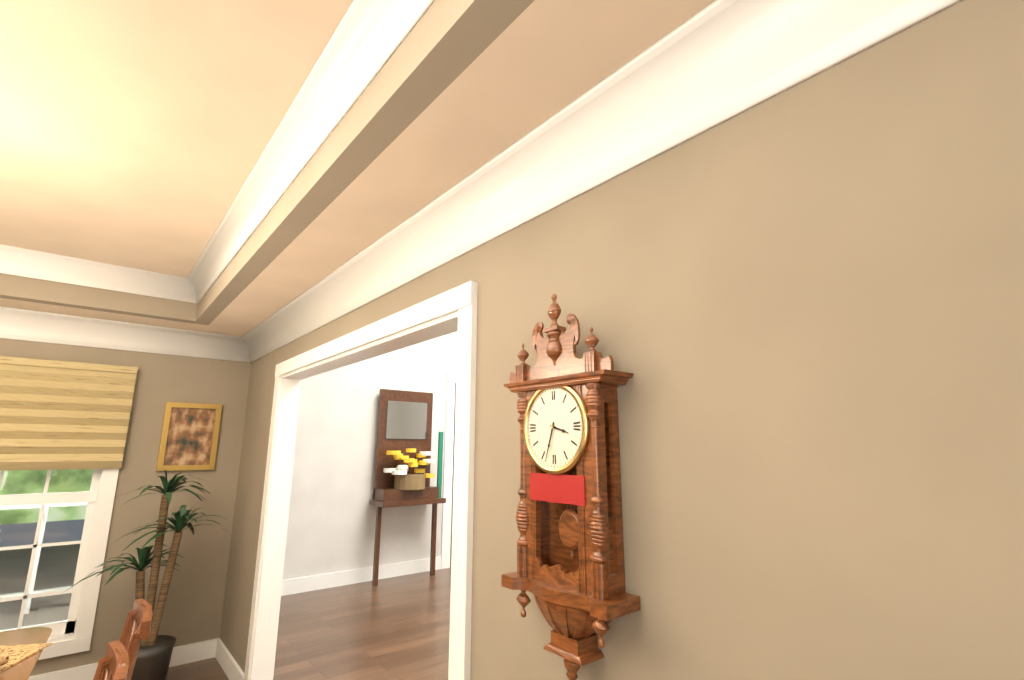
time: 3:33
